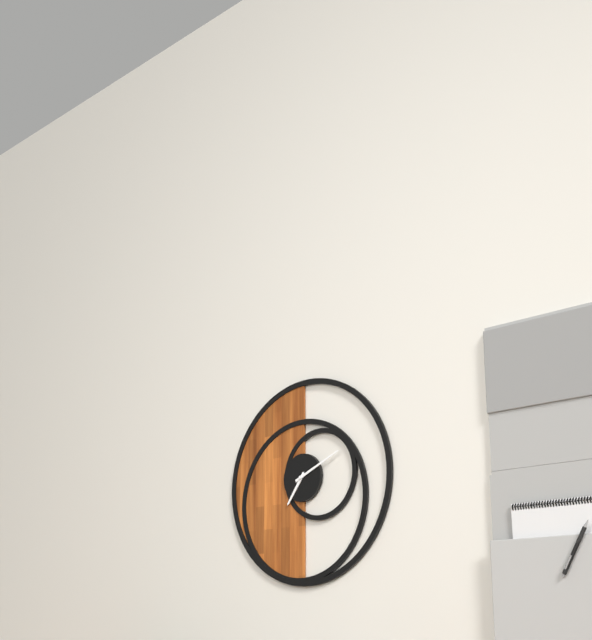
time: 7:11
